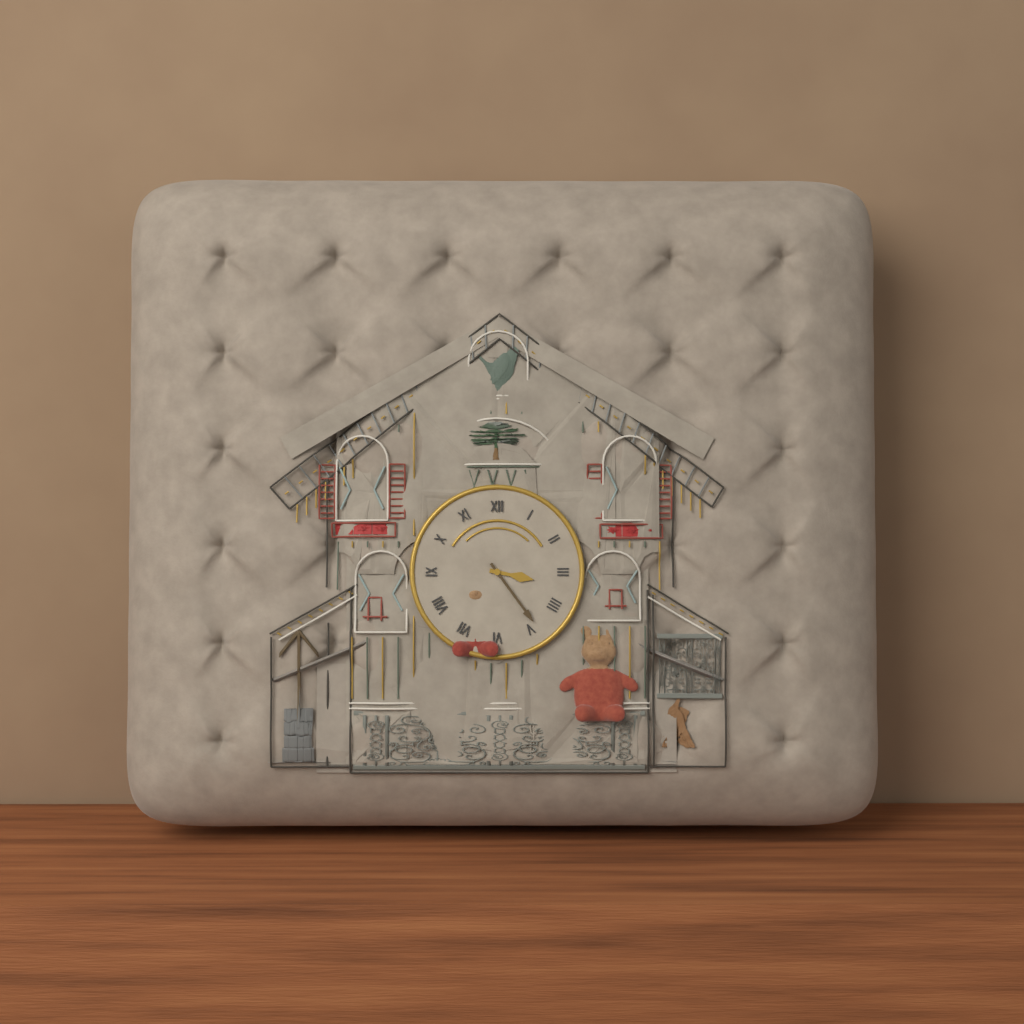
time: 3:24
